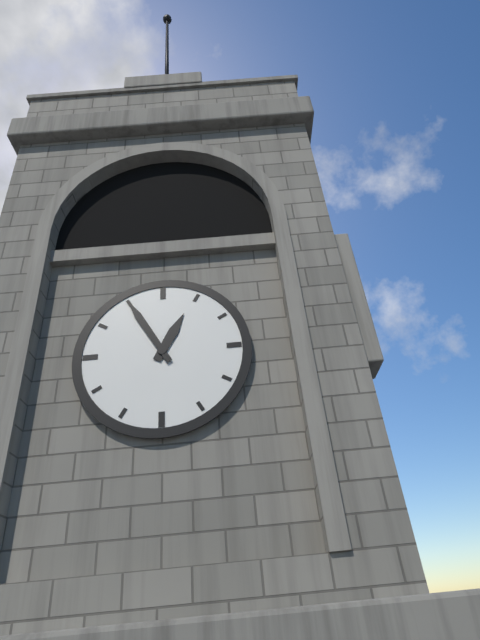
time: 12:55
